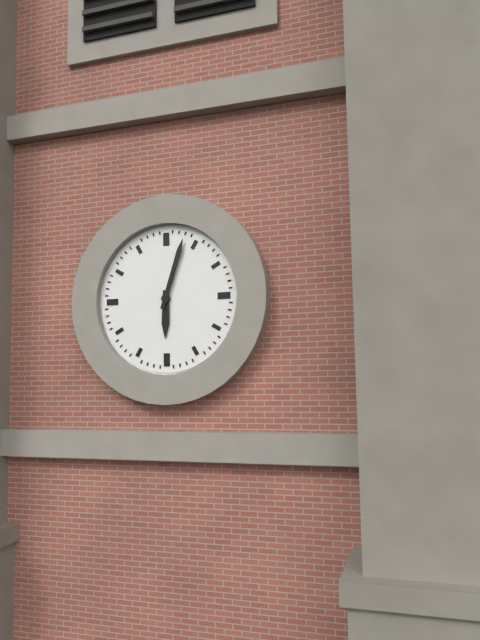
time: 6:03
